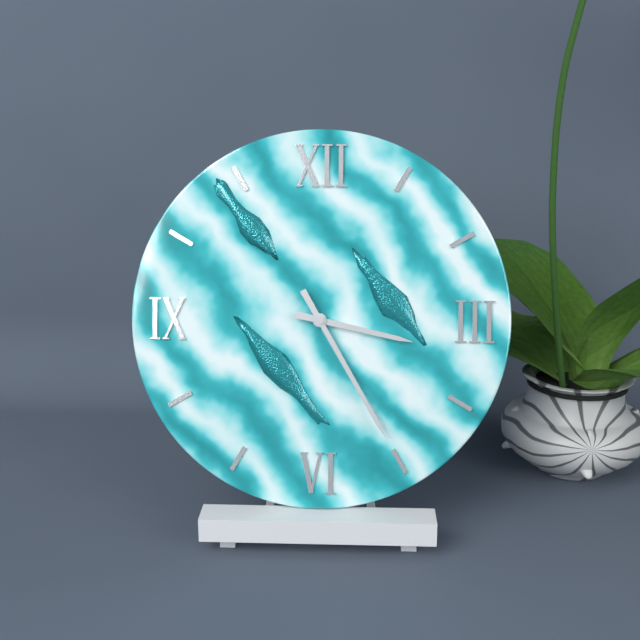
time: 3:25
